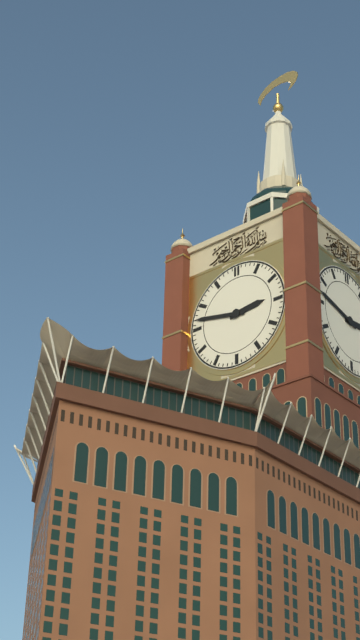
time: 2:47
